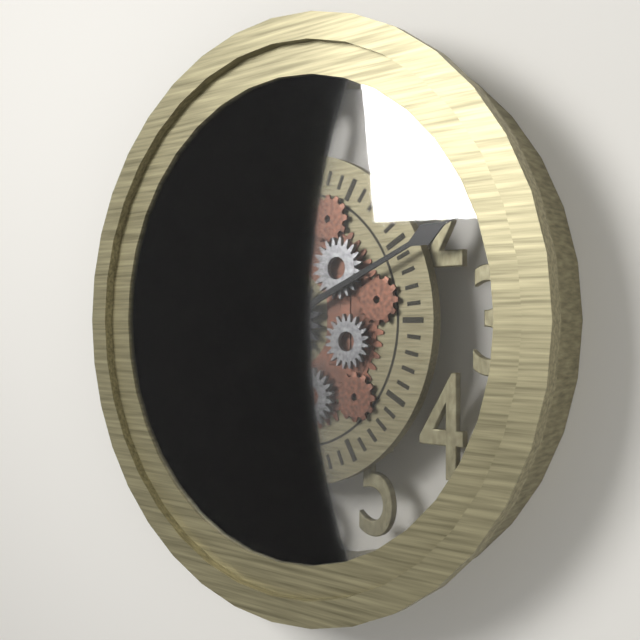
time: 12:11
